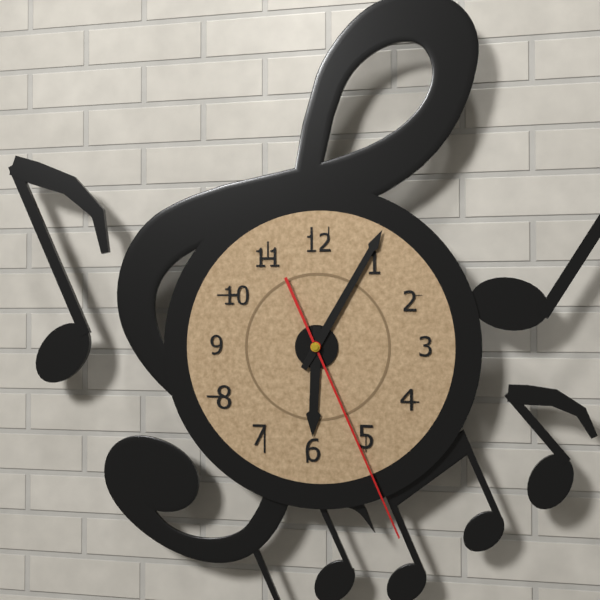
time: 6:05:26
